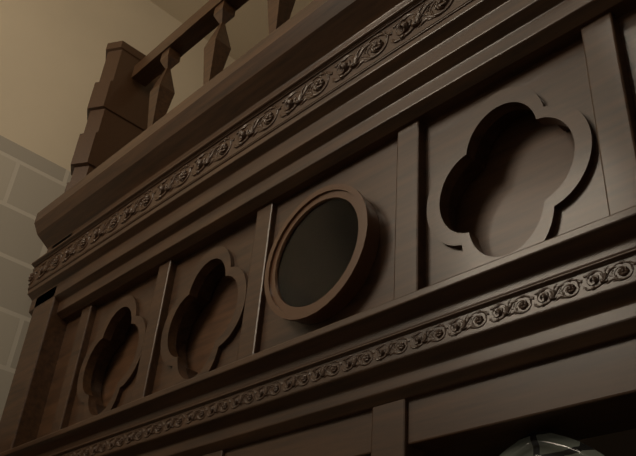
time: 8:14
